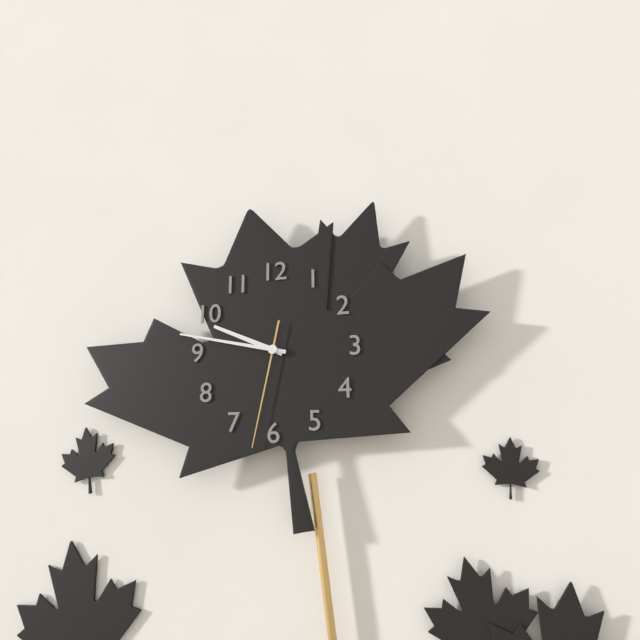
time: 9:47:32
